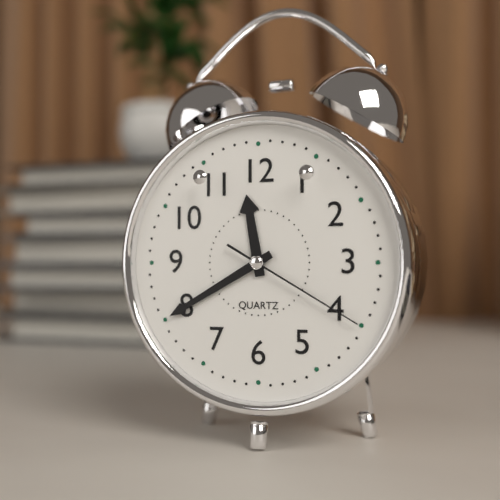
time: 11:40:20
